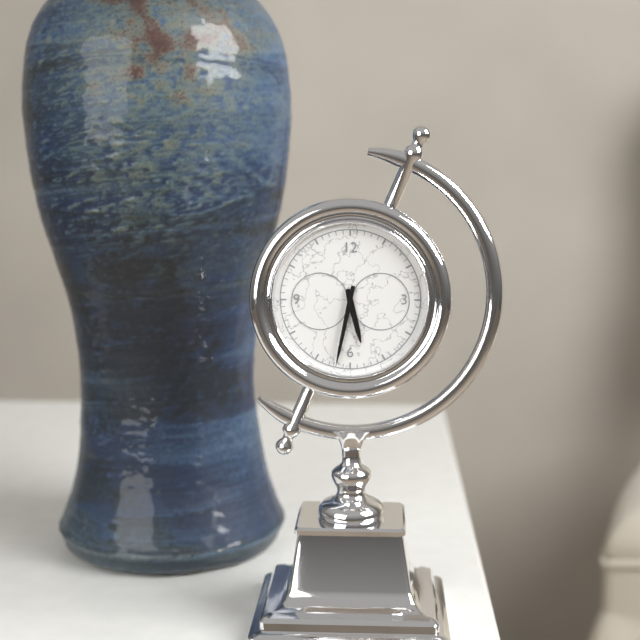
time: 5:32
